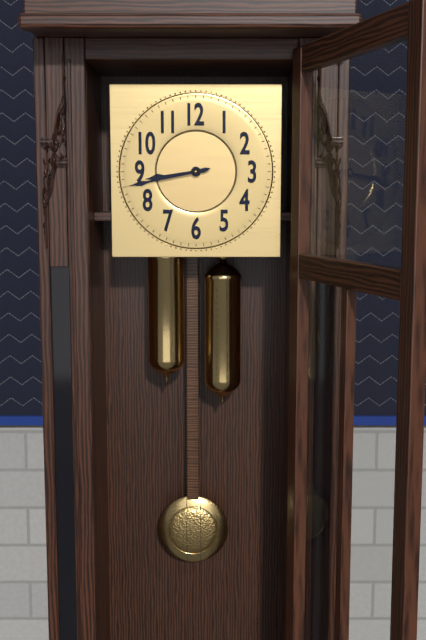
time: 8:43
